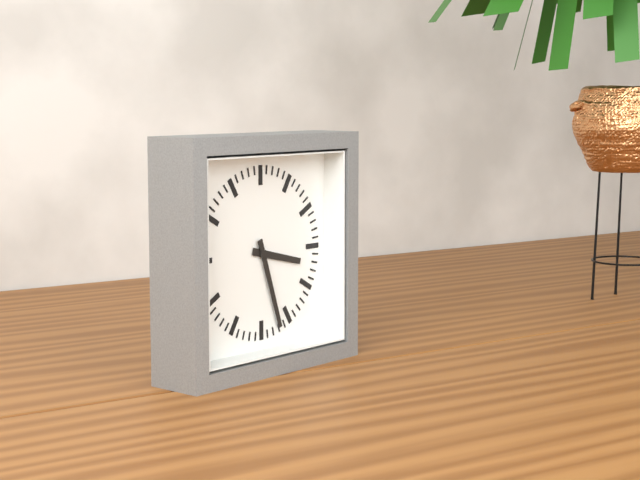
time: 3:27
